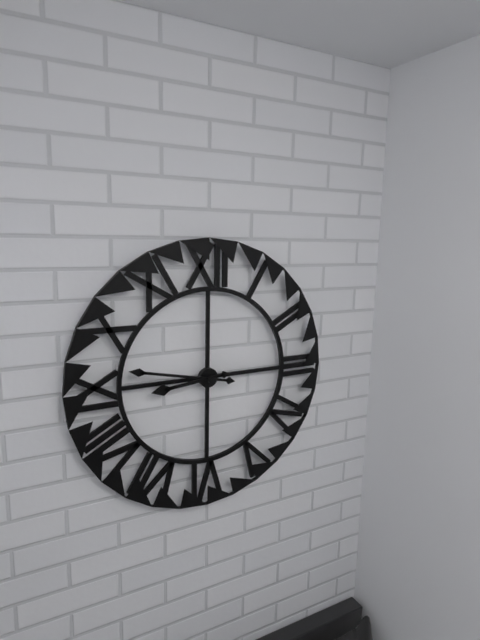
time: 8:47
